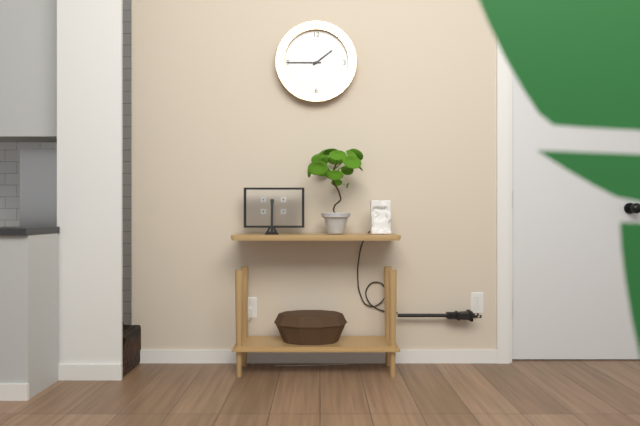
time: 1:45
